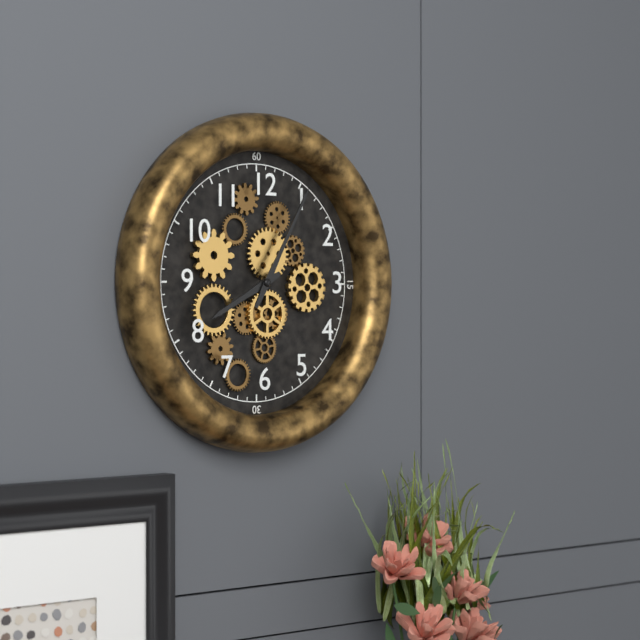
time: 8:05
